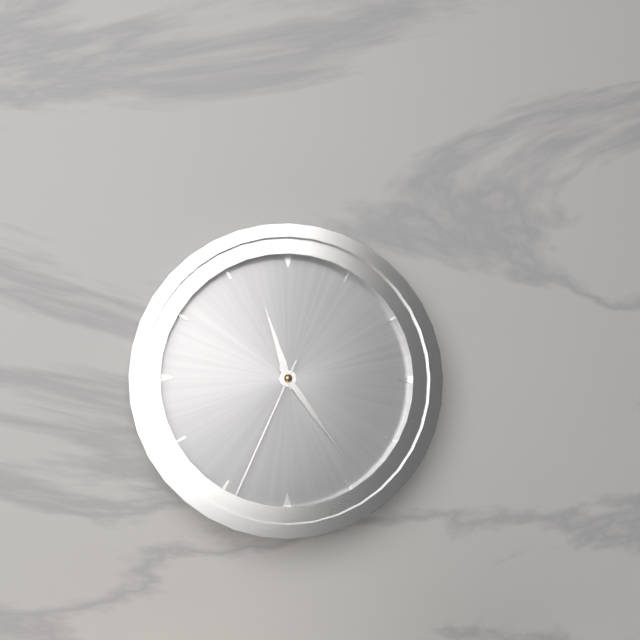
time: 11:24:34
